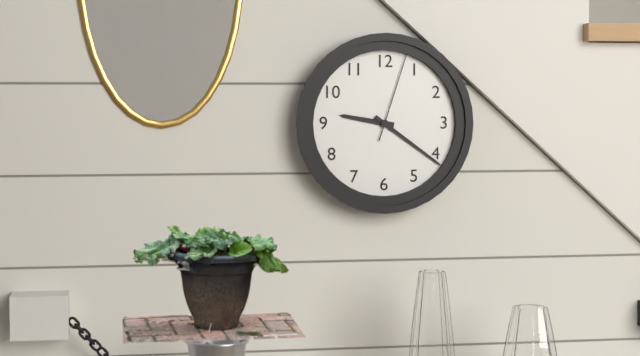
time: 9:21:03
